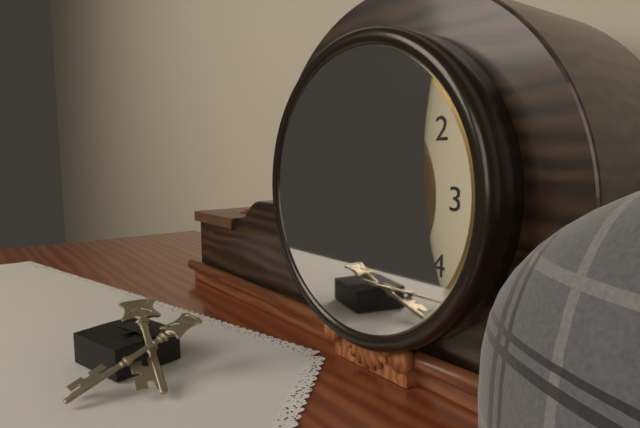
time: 6:37
